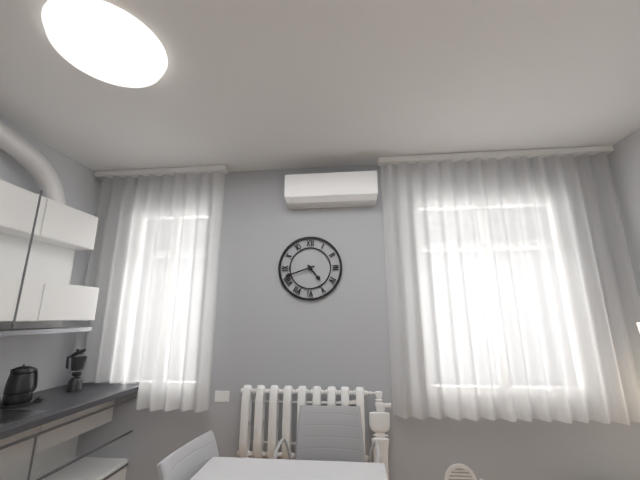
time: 4:42
